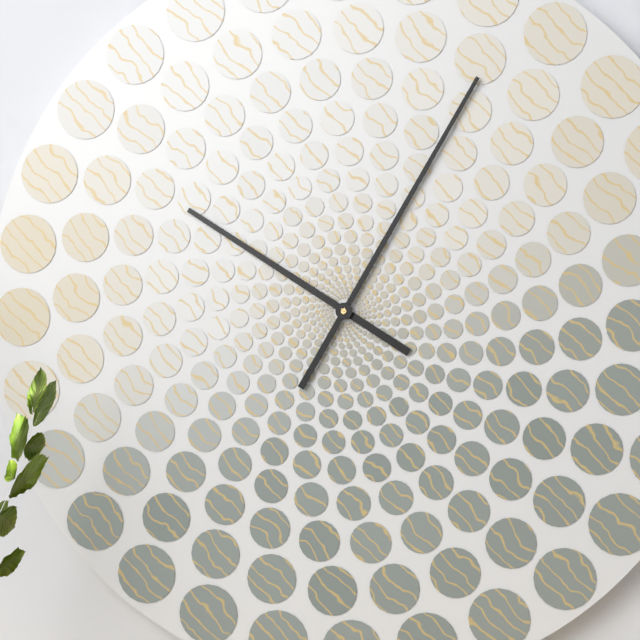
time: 10:05
